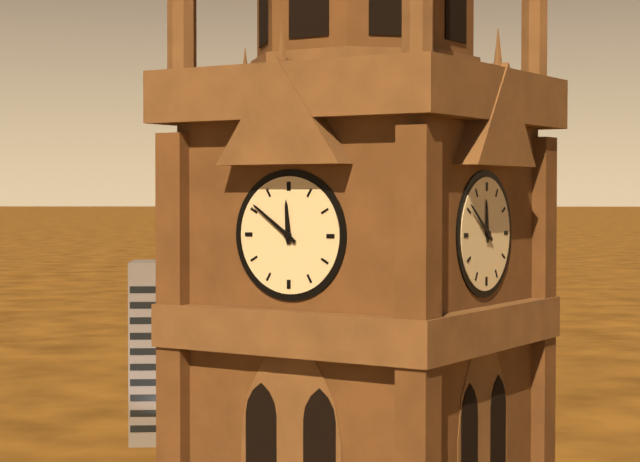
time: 11:51
